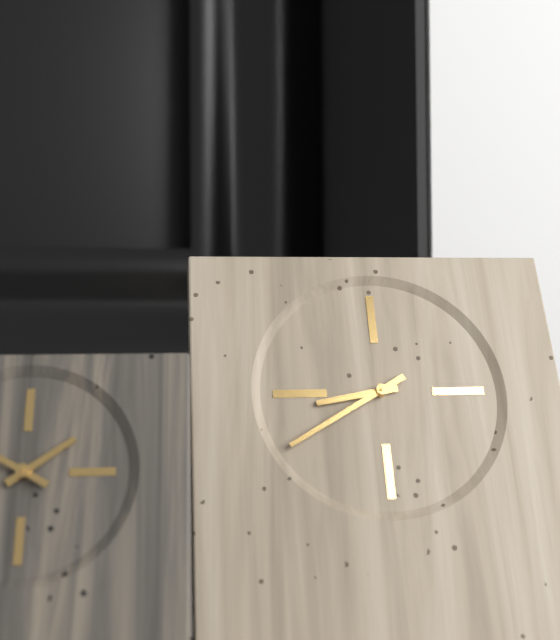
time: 8:40
